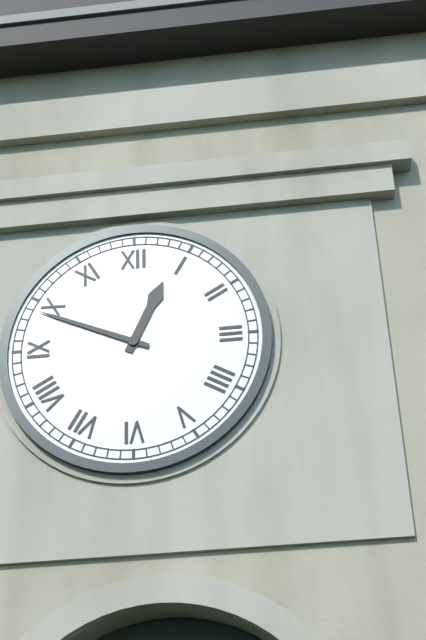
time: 12:49
